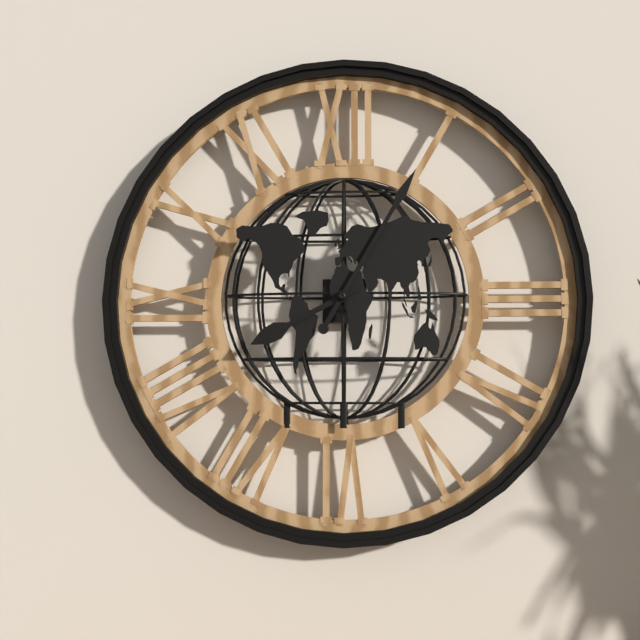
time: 8:05
